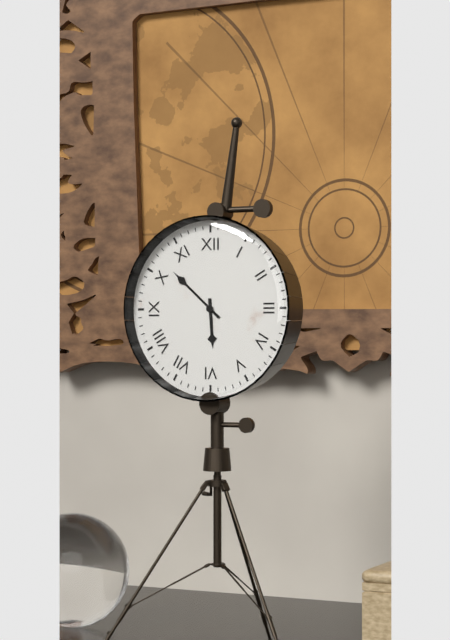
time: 5:52
